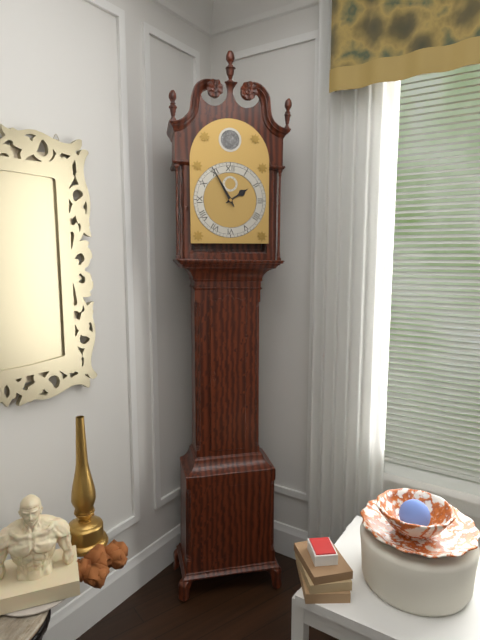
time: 1:55
